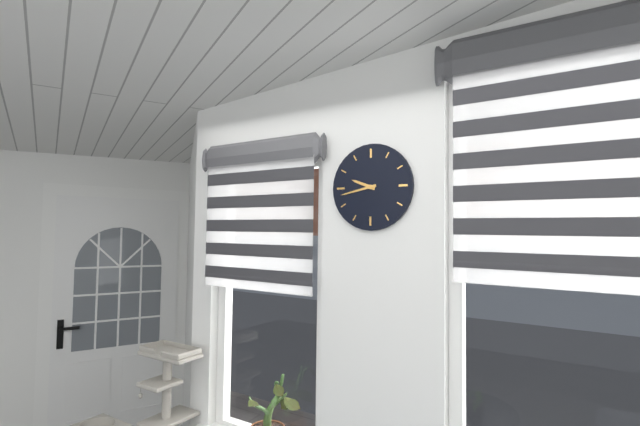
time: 9:43
